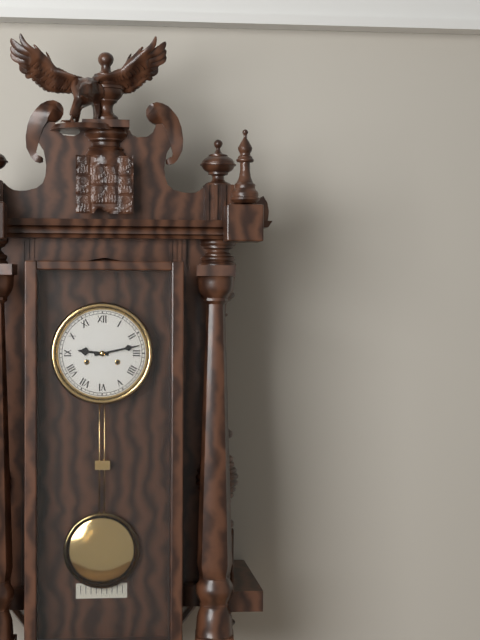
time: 9:13
